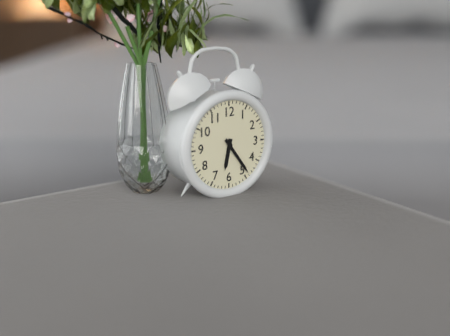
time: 6:24
